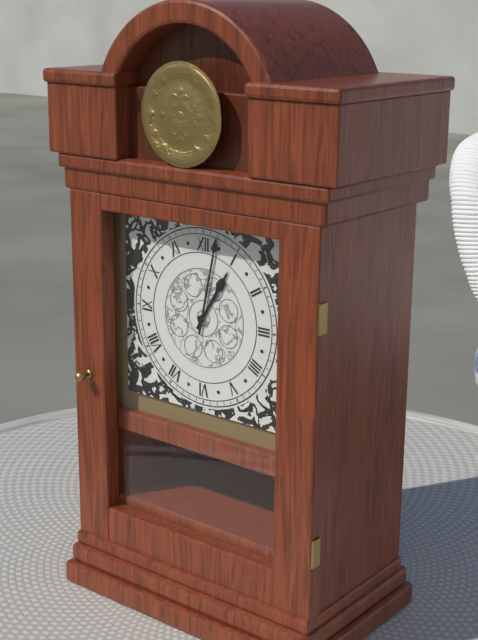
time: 1:02
